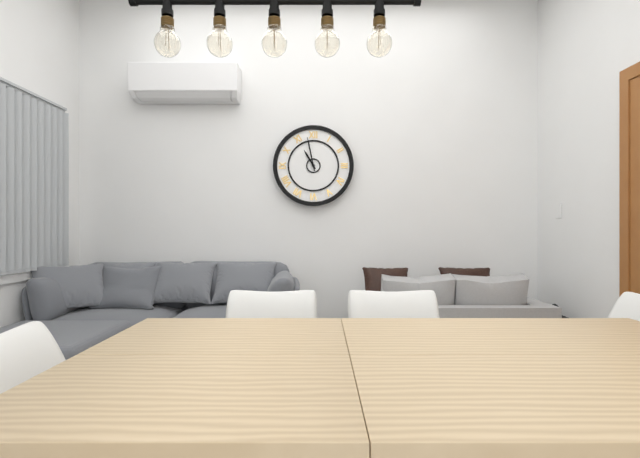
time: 10:58
